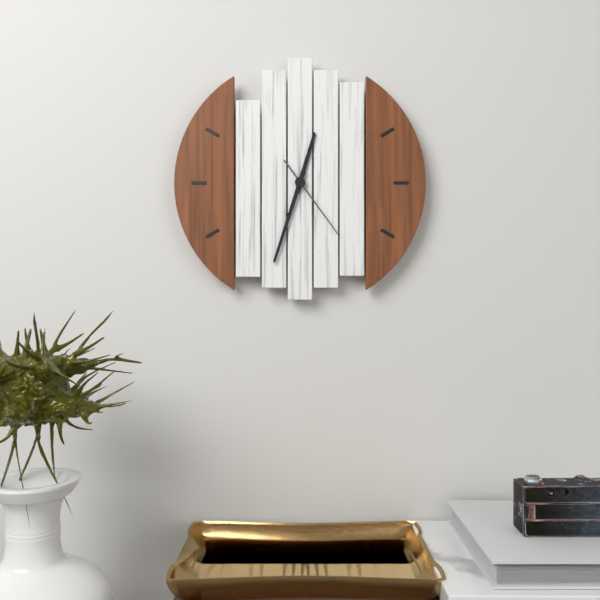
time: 12:33:24
